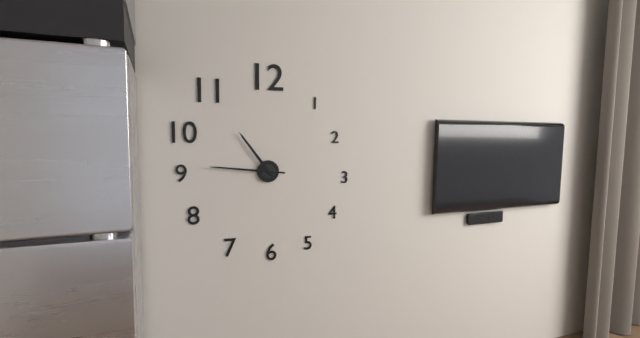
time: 10:46
